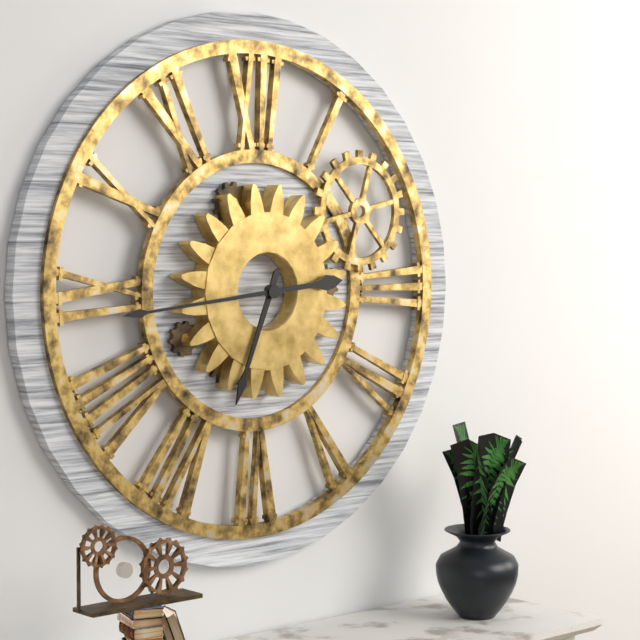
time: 6:44
